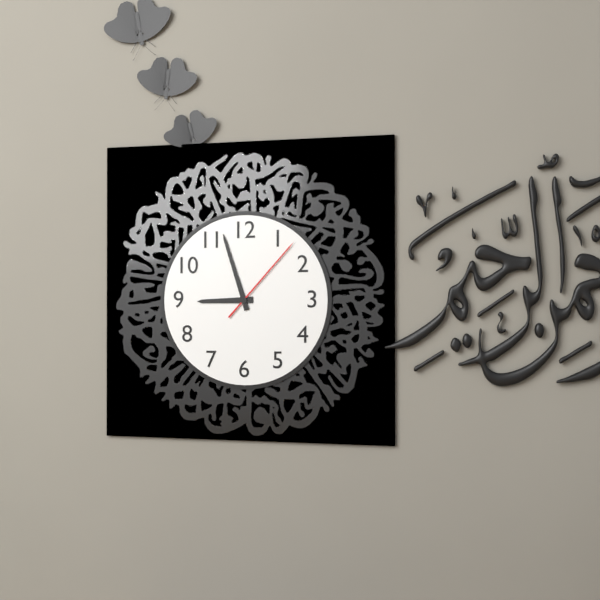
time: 8:57:07
